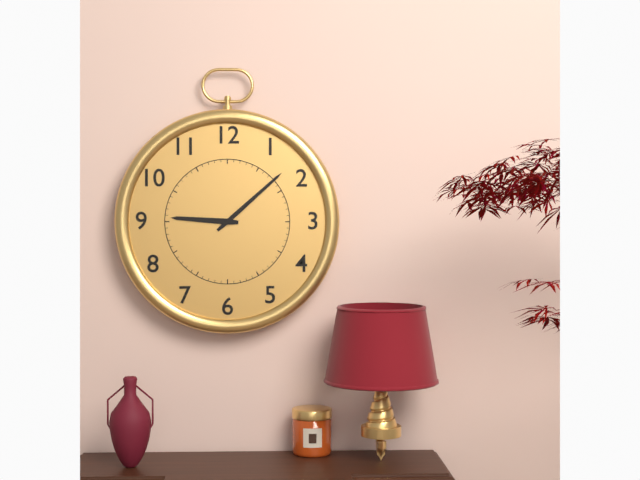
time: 9:08
